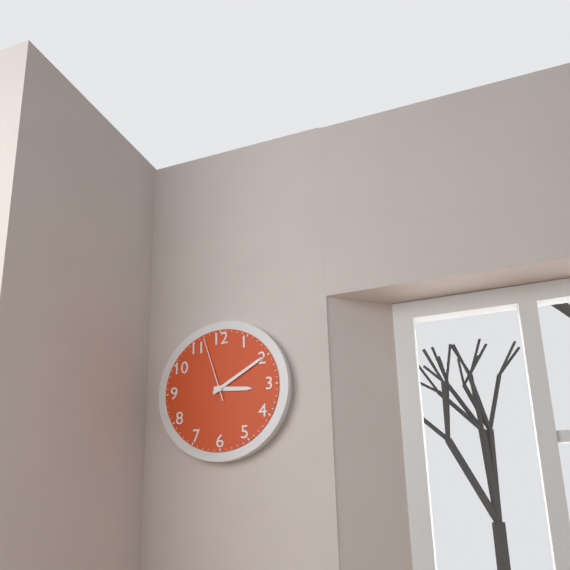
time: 3:10:57
